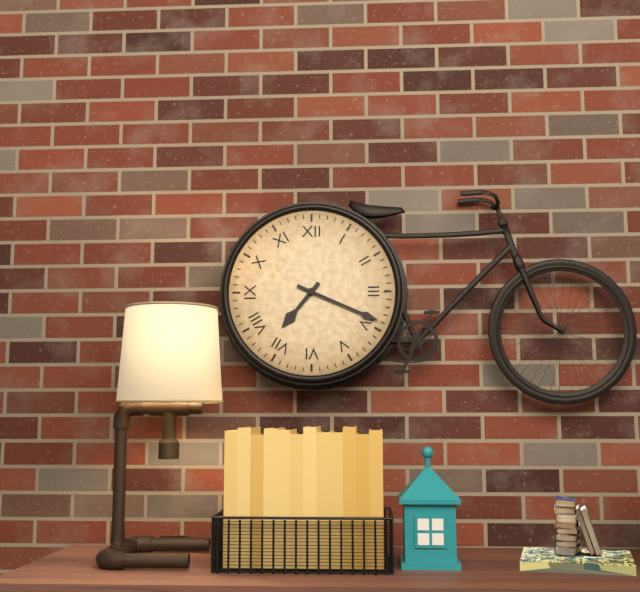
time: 7:19
